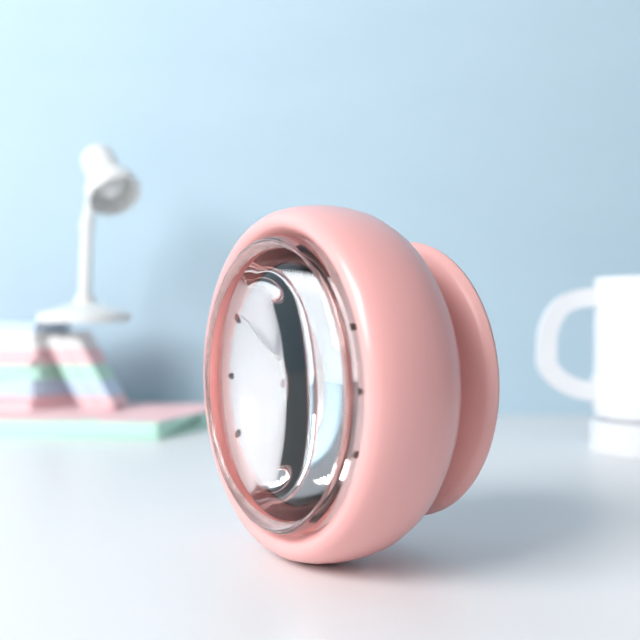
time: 5:51
